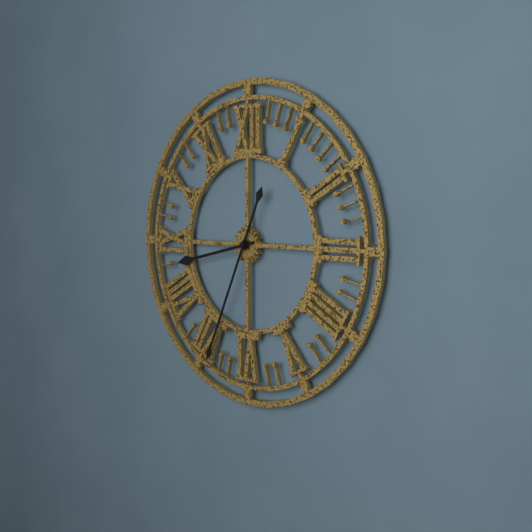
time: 8:34
